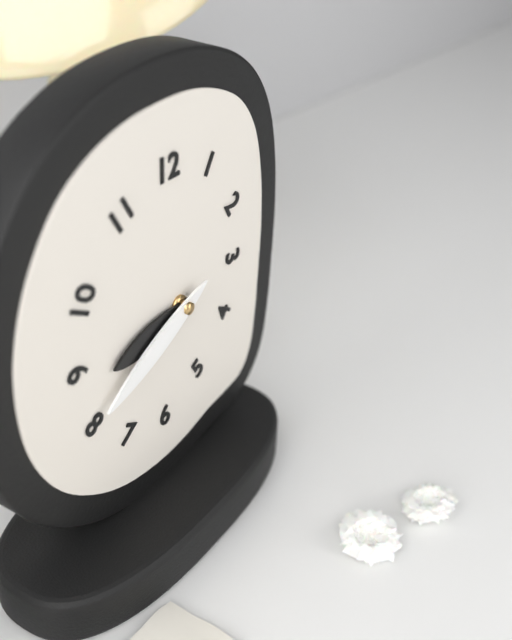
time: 8:41
